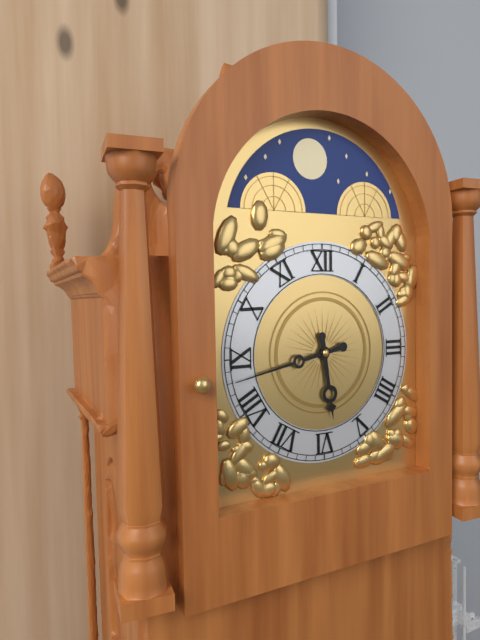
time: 5:43
